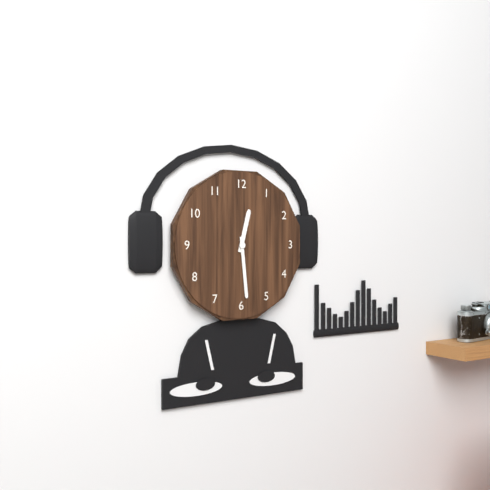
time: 12:29
